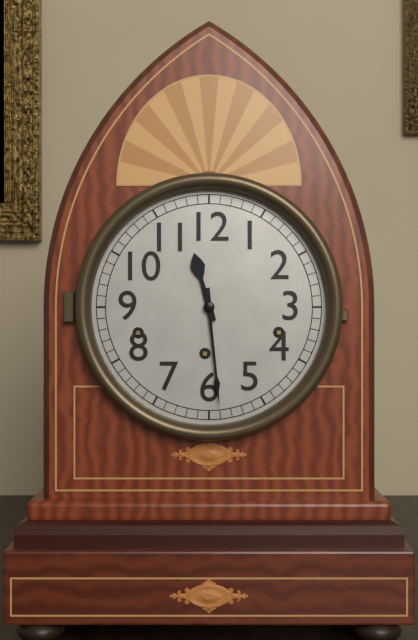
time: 11:29
